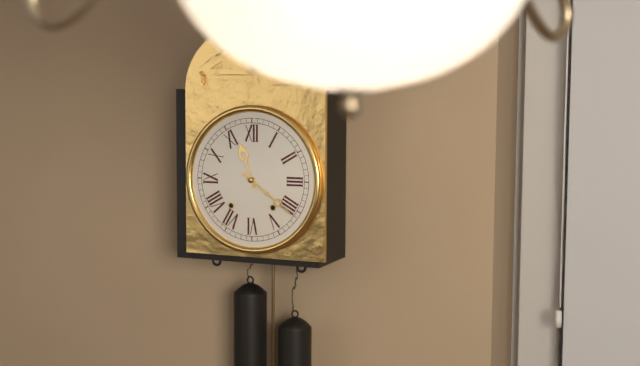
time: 11:21
